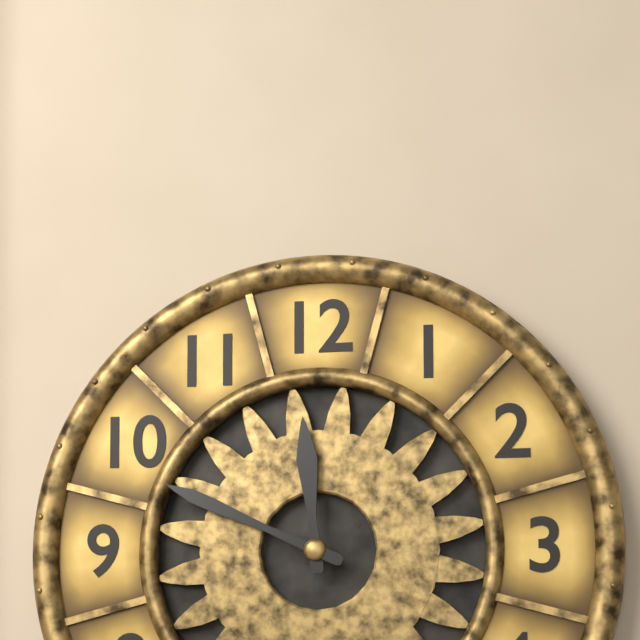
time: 11:49
